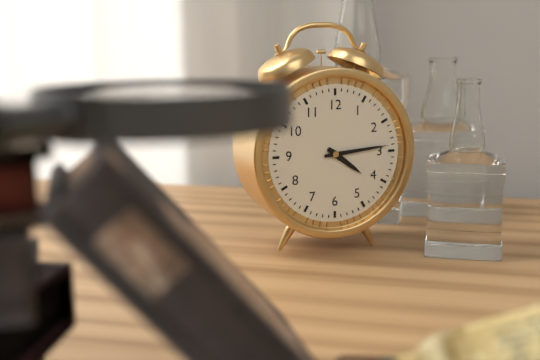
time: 4:14
